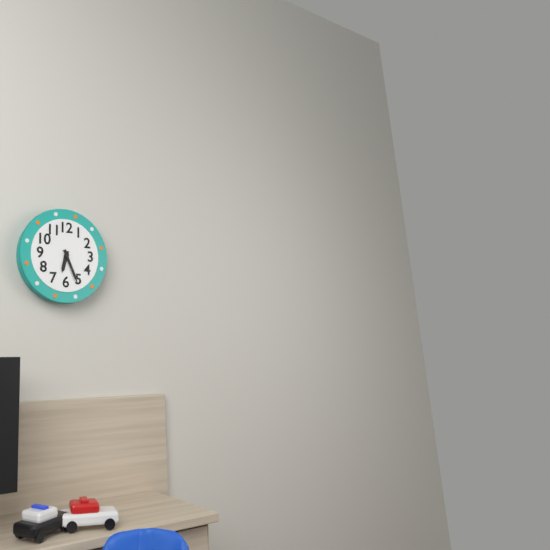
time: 6:26
